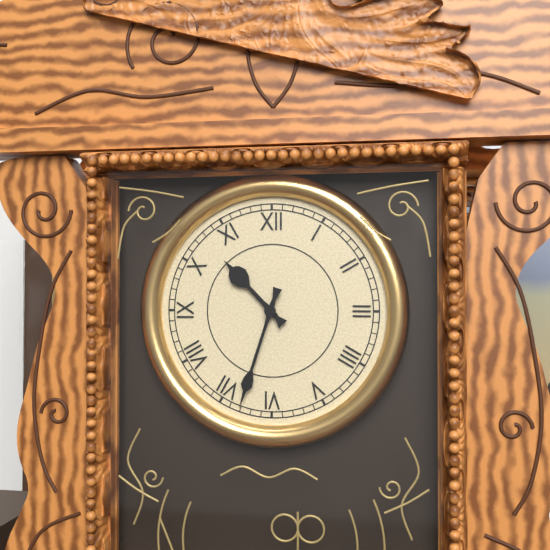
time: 10:33
